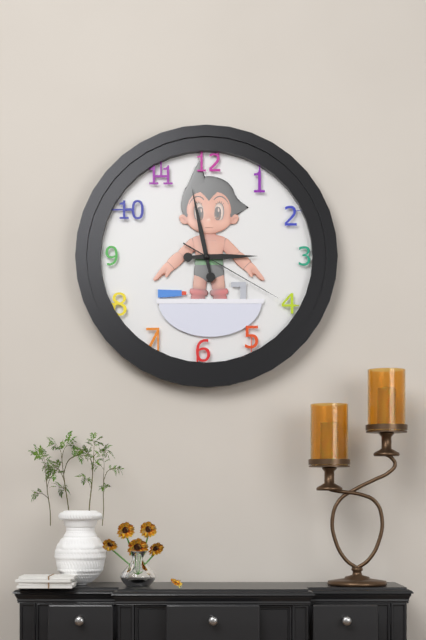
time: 2:58:20
